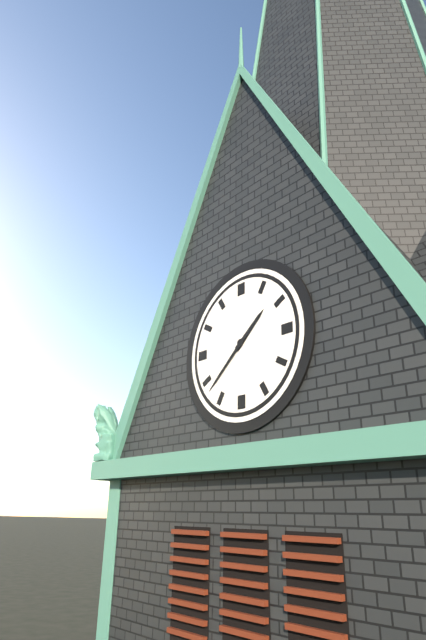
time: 1:38
